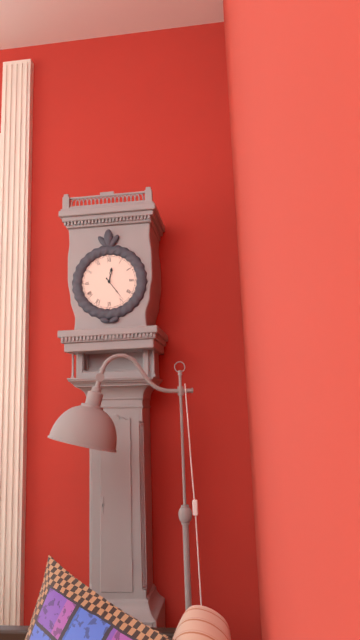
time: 12:24
